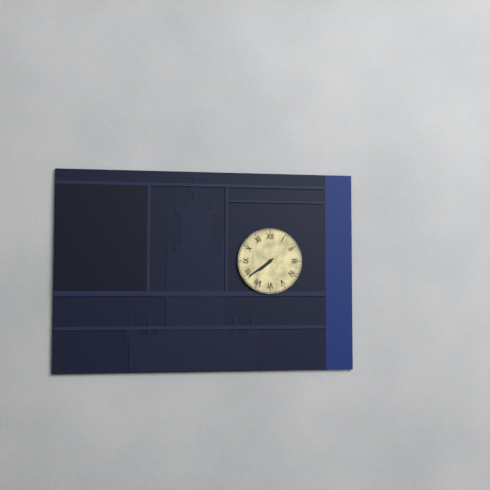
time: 7:39
